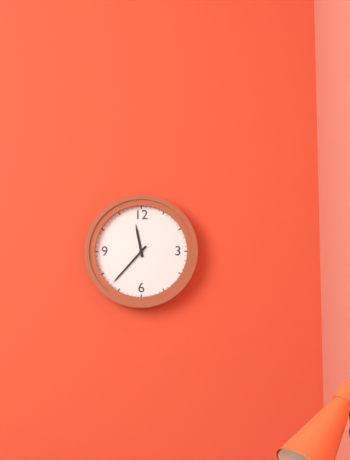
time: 11:37
